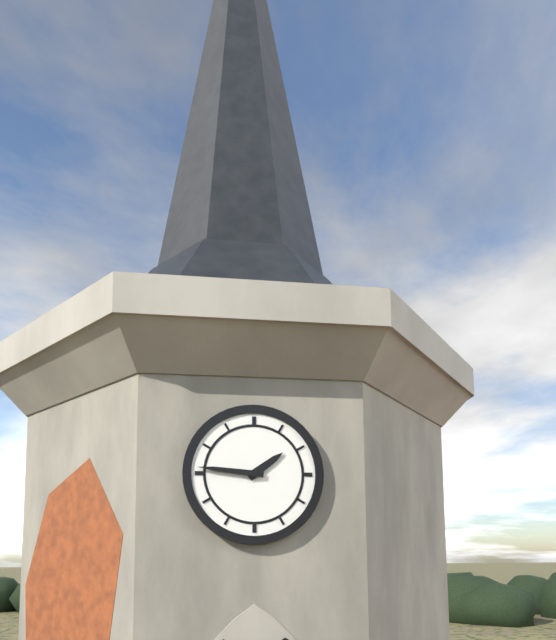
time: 1:46
